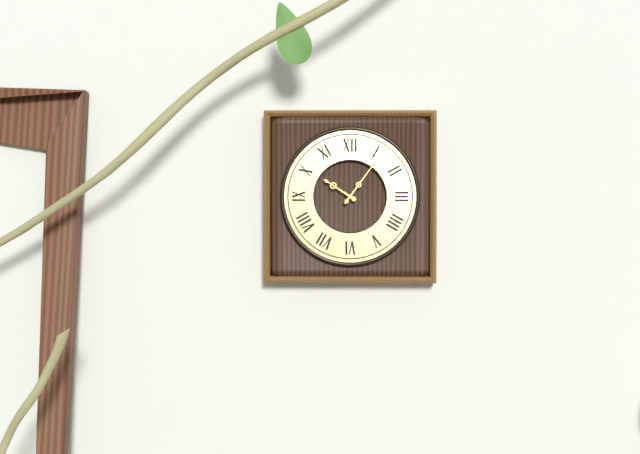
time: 10:06
